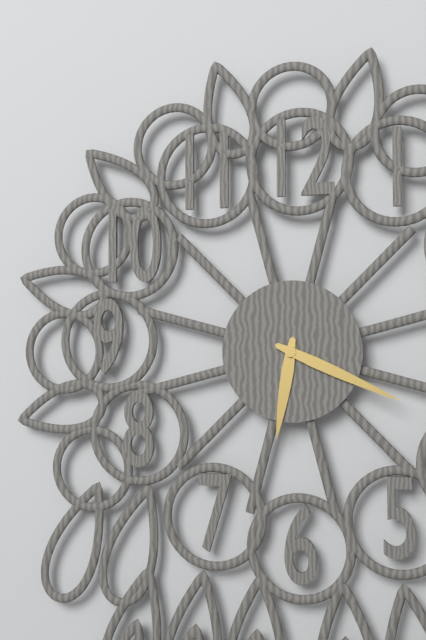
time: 6:19
